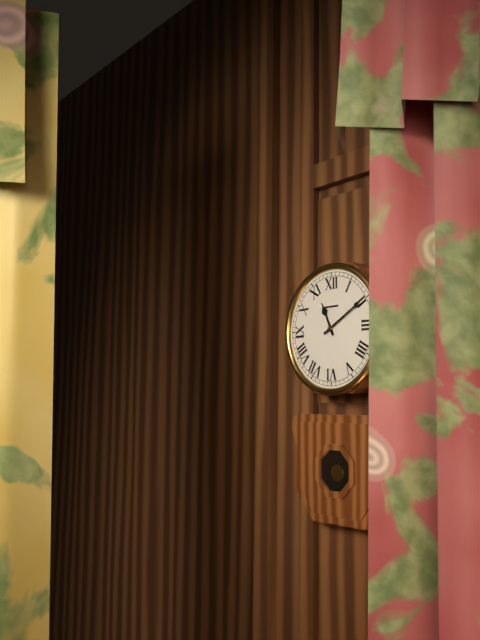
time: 11:10
